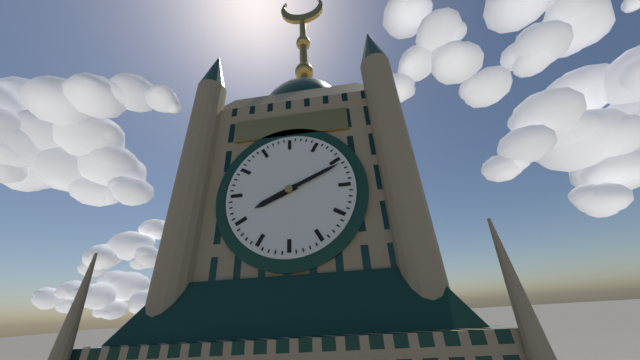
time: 8:11
